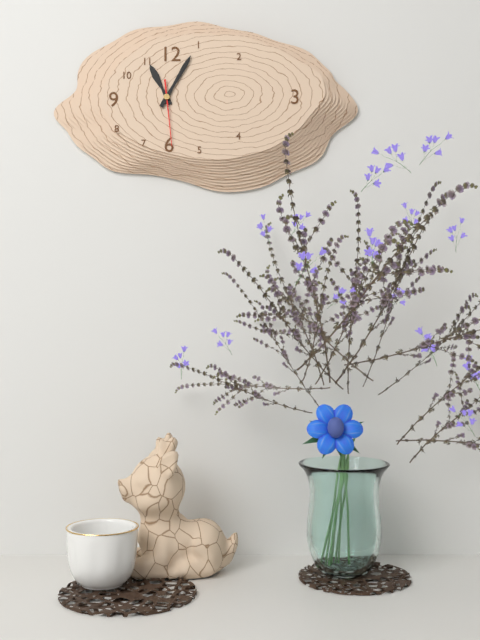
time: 11:05:29
